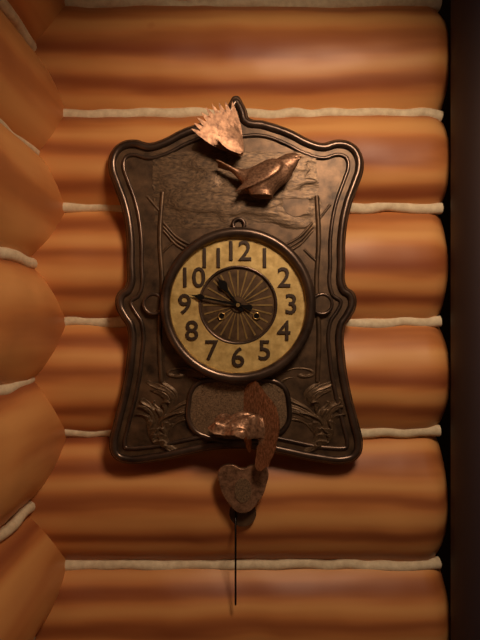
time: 10:47
